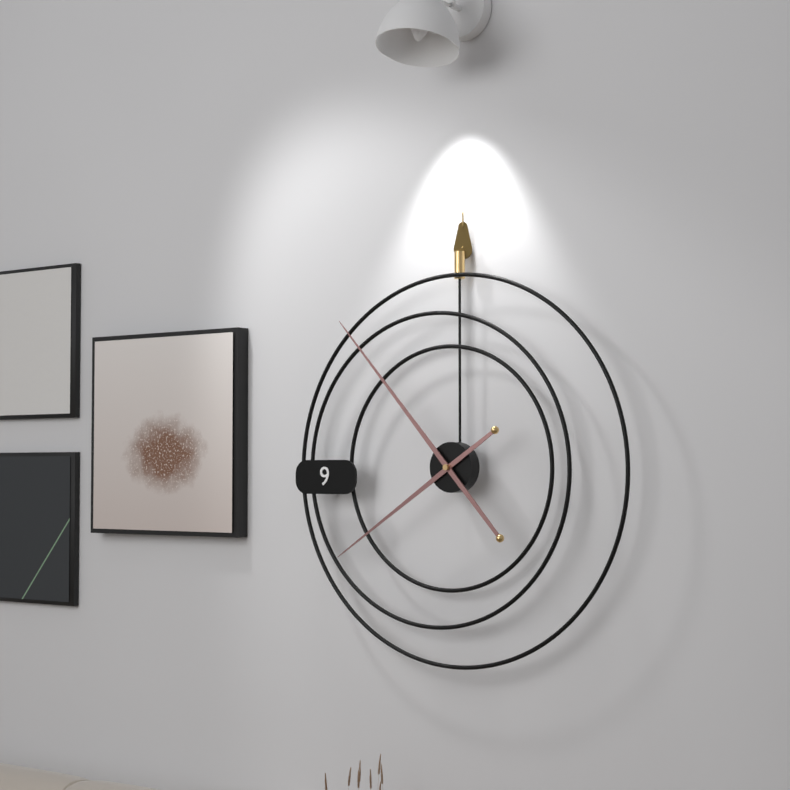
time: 7:53
